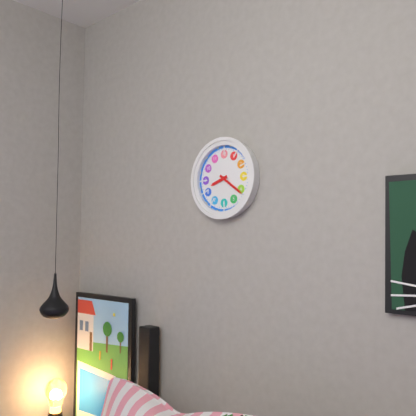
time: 8:21
